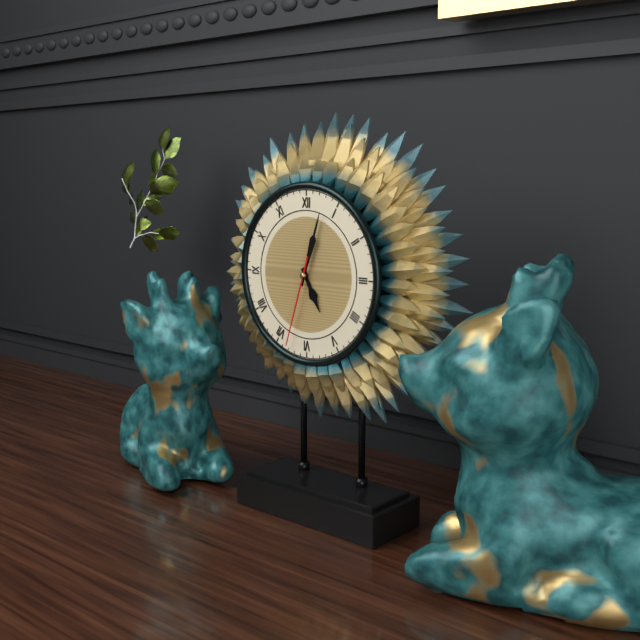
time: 5:03:33
